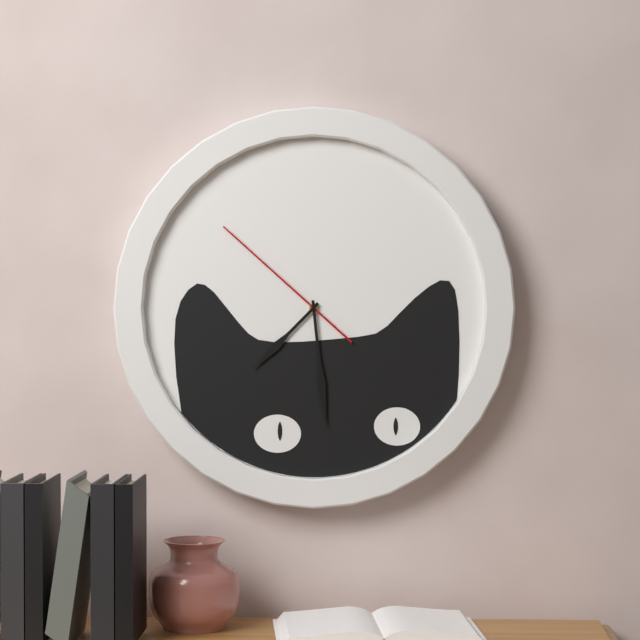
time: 7:29:52
